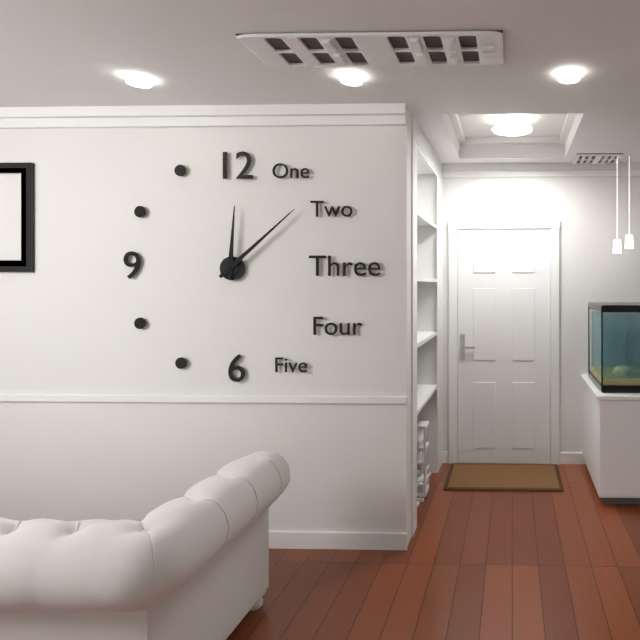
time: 12:08
